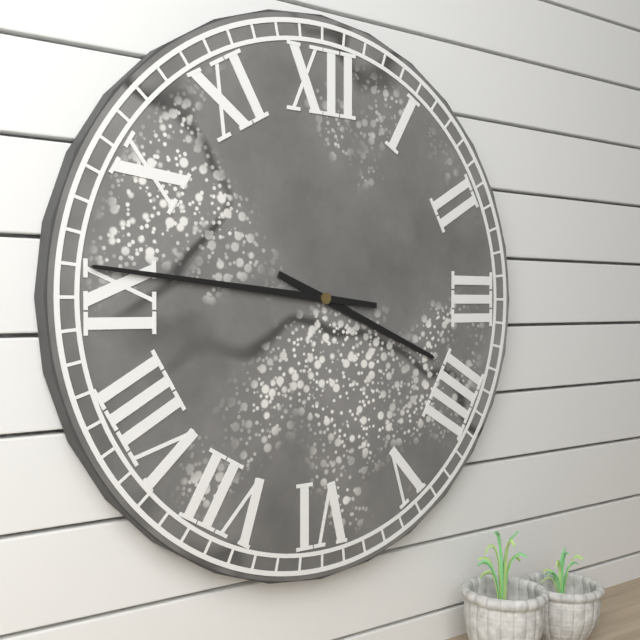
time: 3:46
